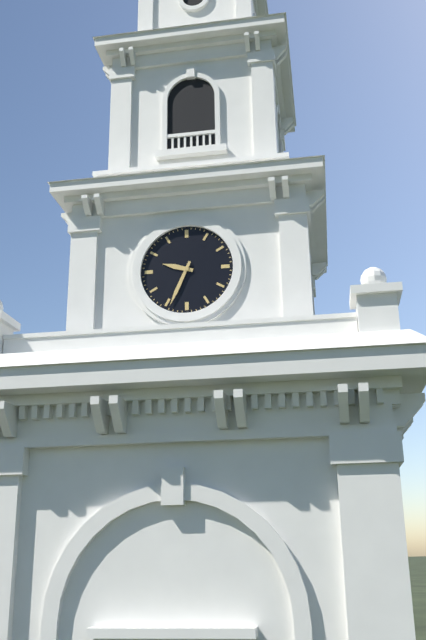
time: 9:34
